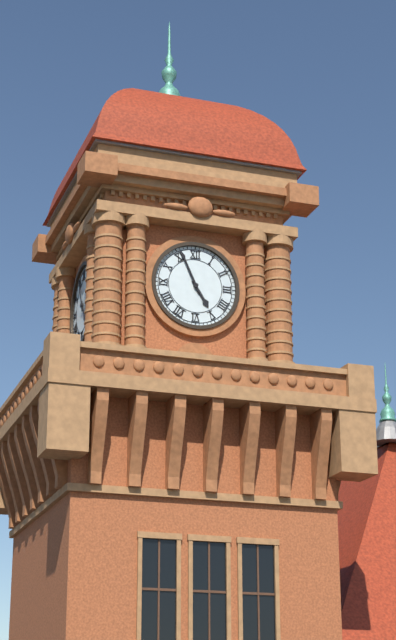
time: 4:56
